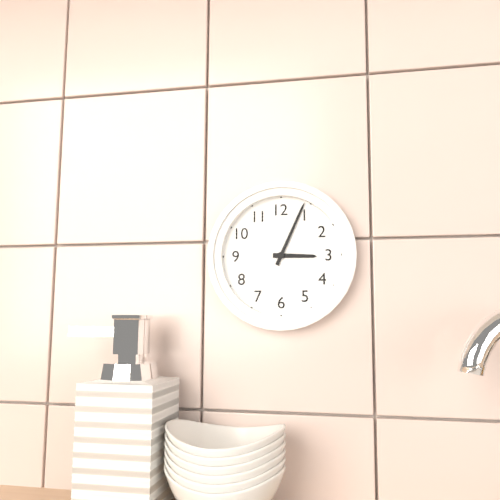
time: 3:04
